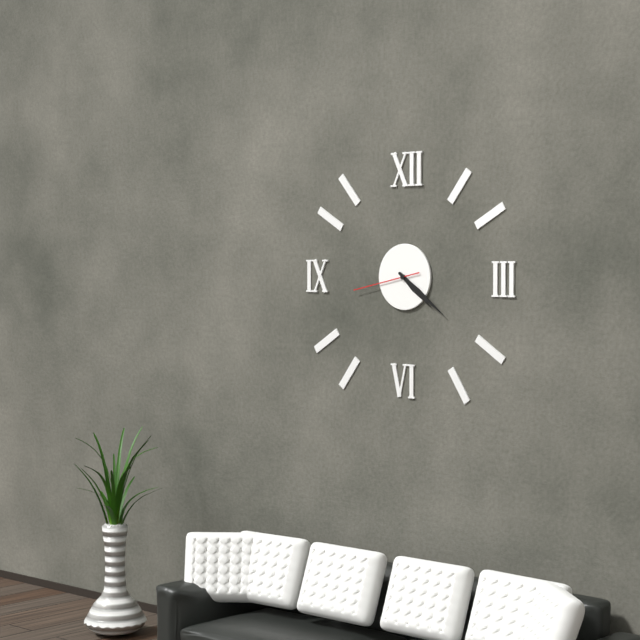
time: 4:21:43
